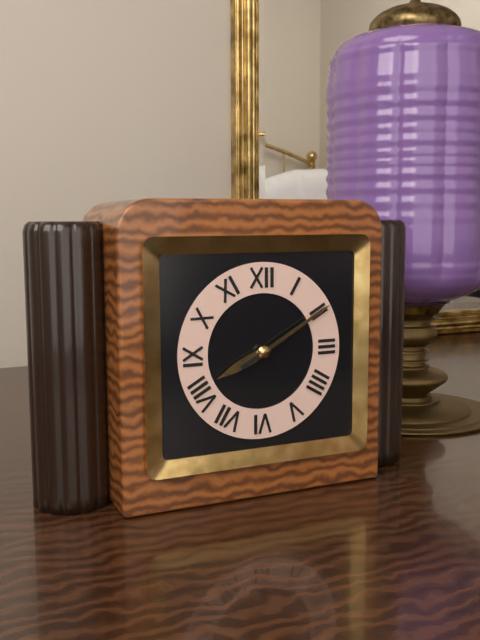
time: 8:10
